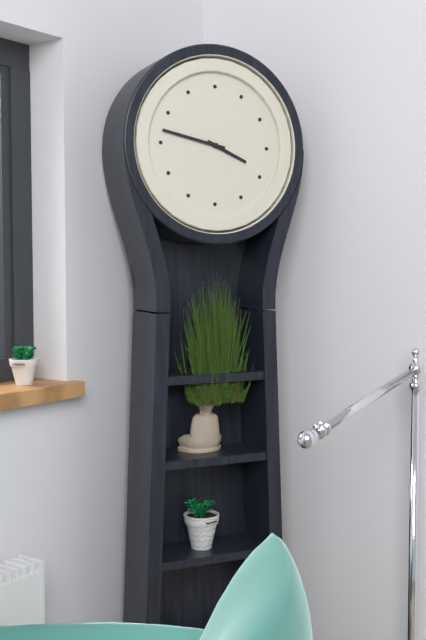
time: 3:47
